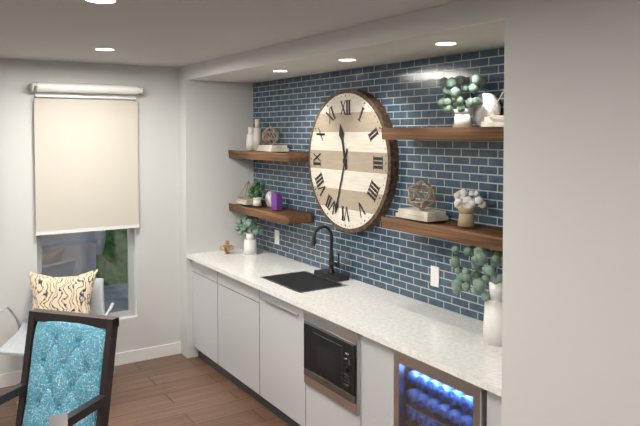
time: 11:33
